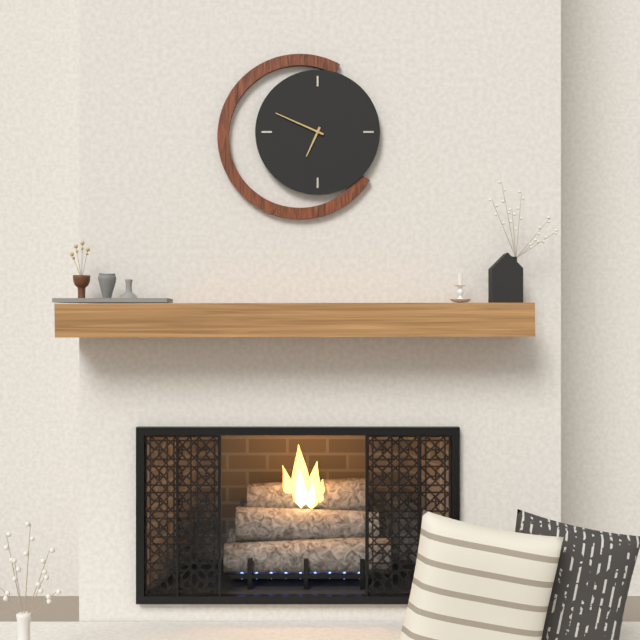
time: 6:49
